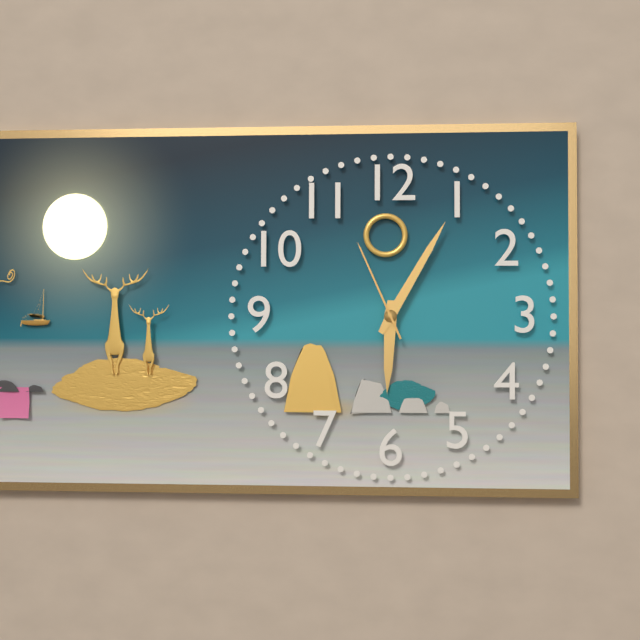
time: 6:05:56
